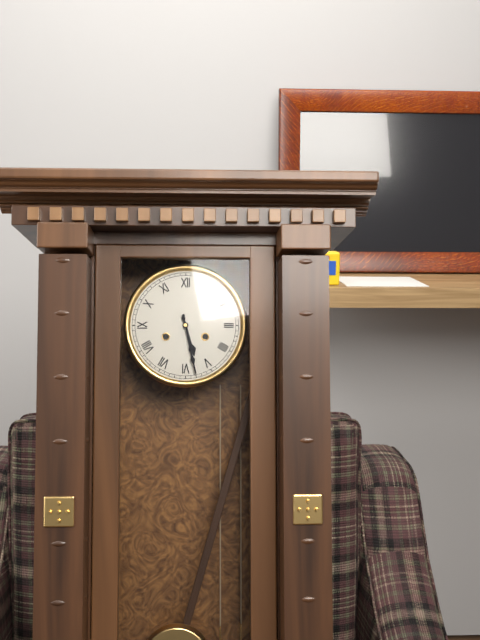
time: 5:28
